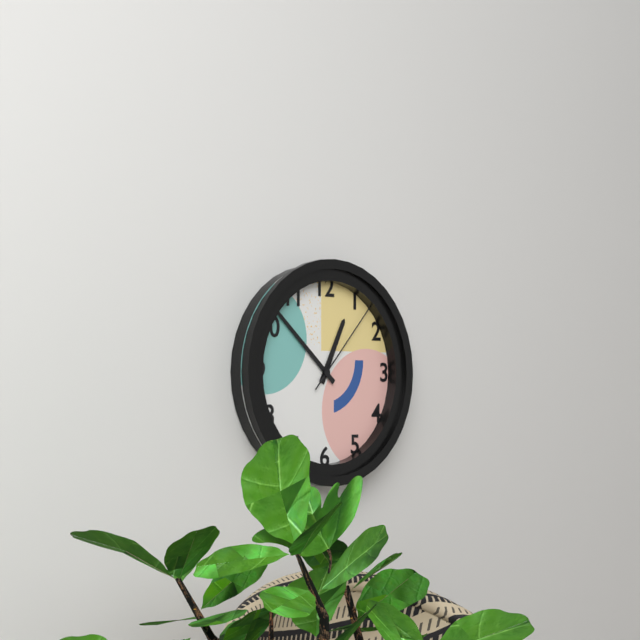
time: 12:52:07
